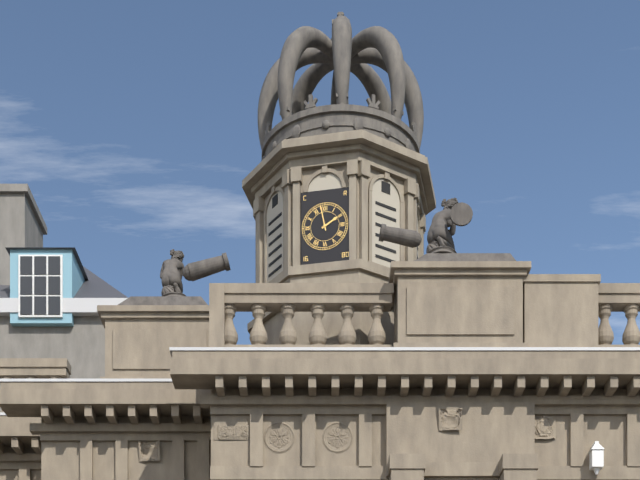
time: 1:58
